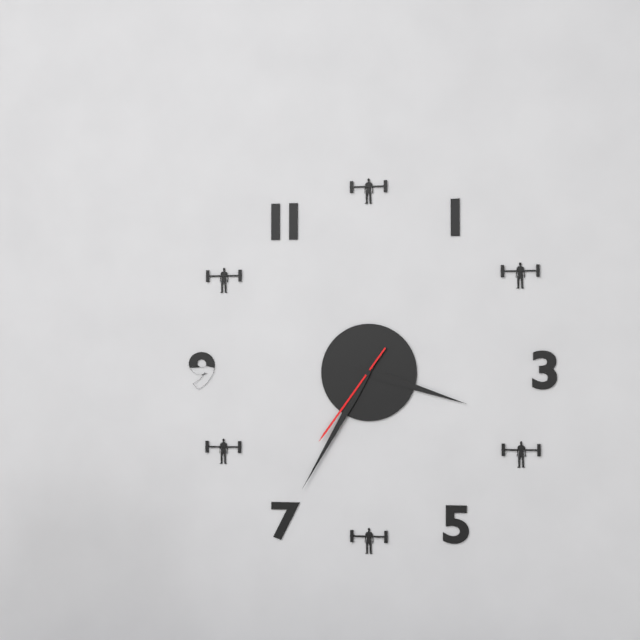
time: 3:35:36
